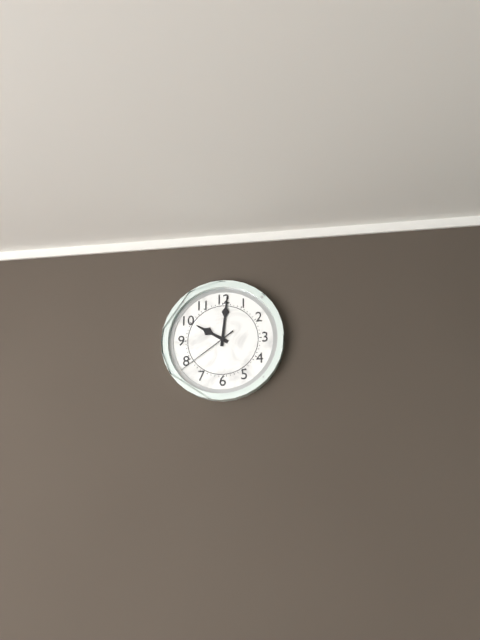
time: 10:01:39
